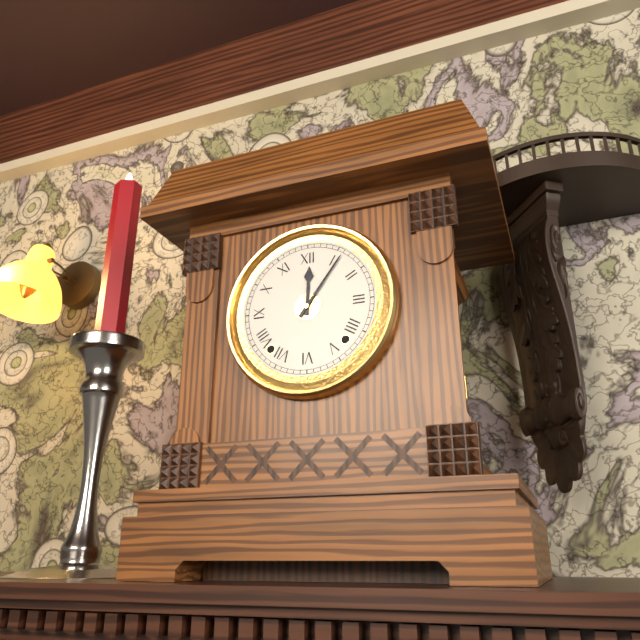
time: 12:06
